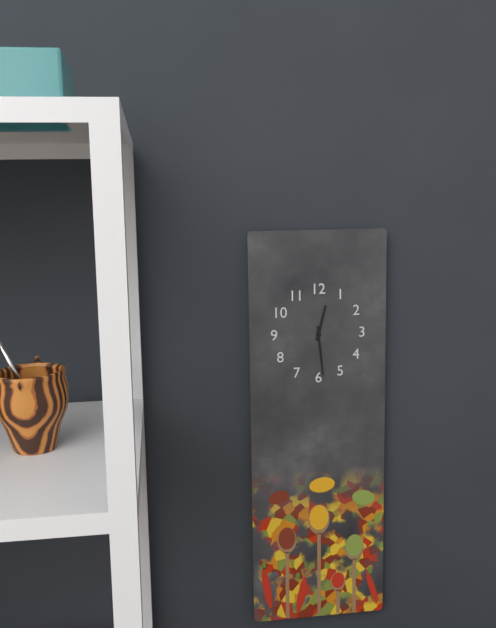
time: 12:29
